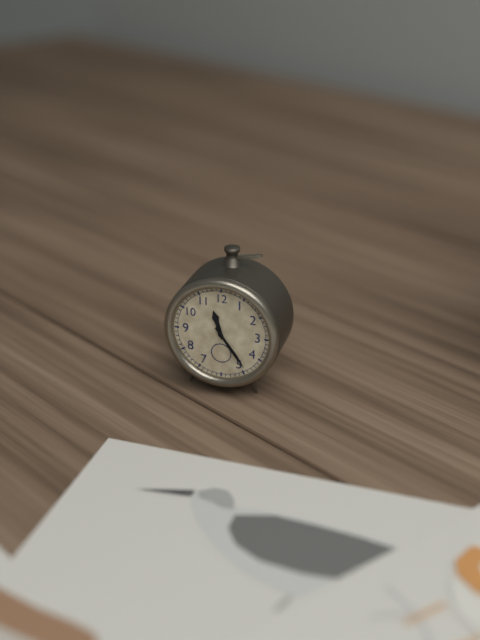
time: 11:24
